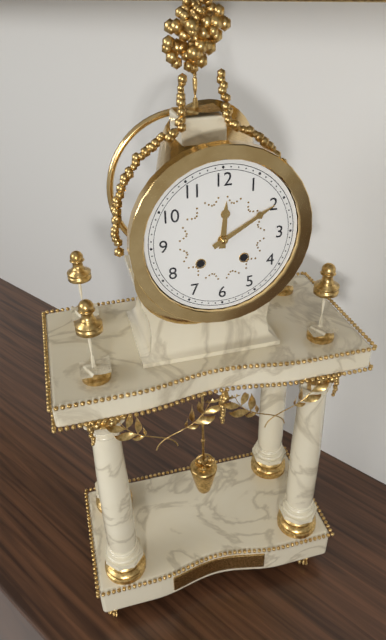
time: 12:10
